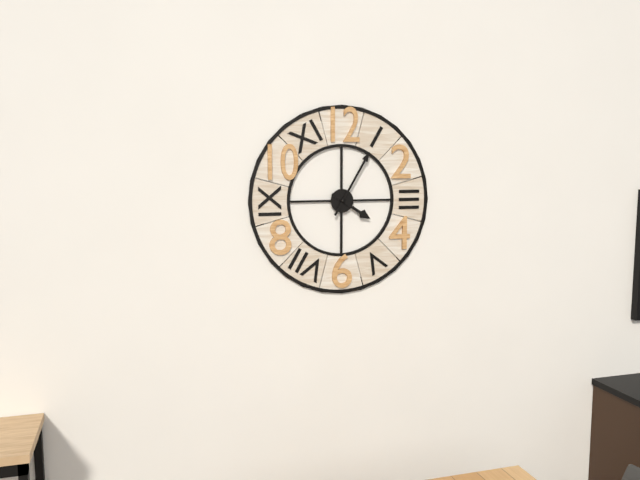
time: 4:05
